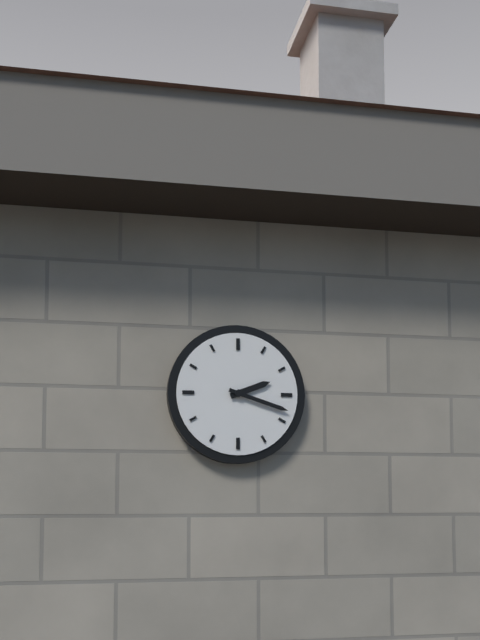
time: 2:18
